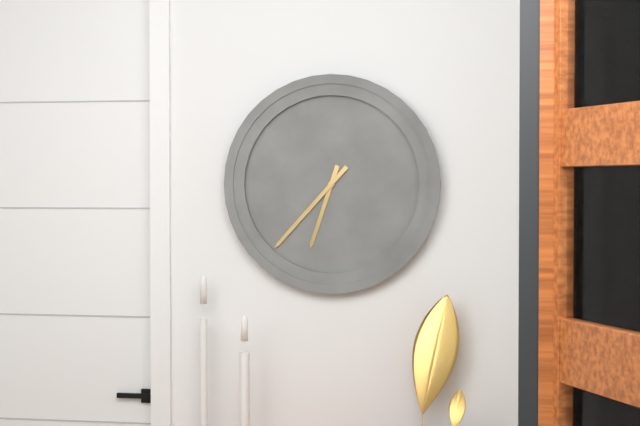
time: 6:37
